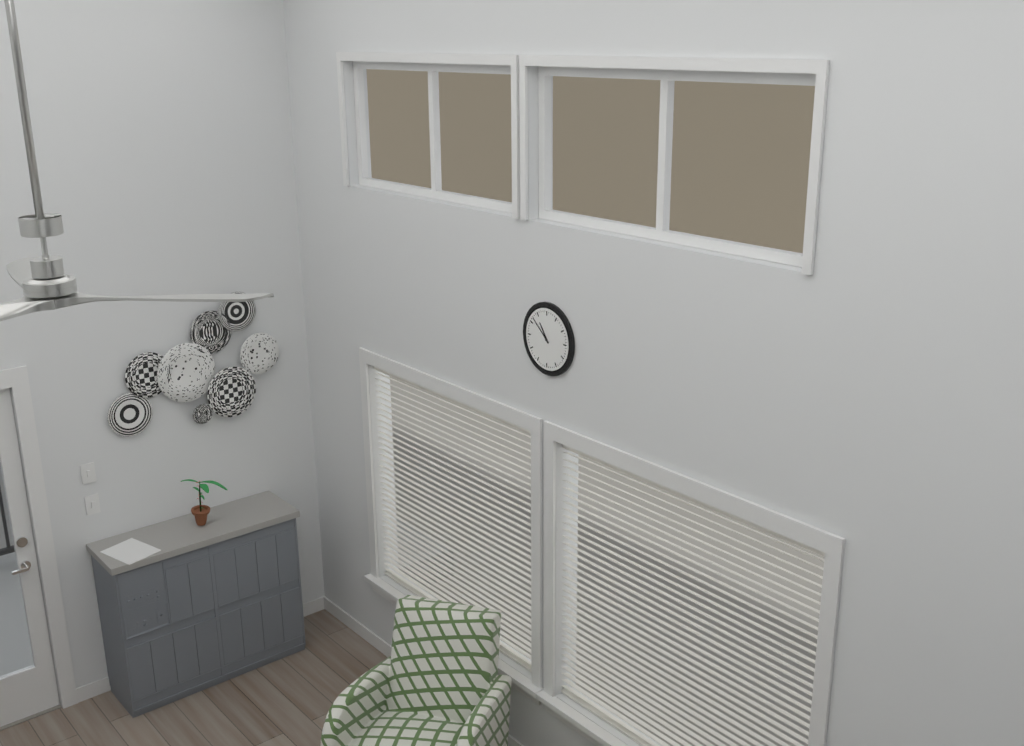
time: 10:52
